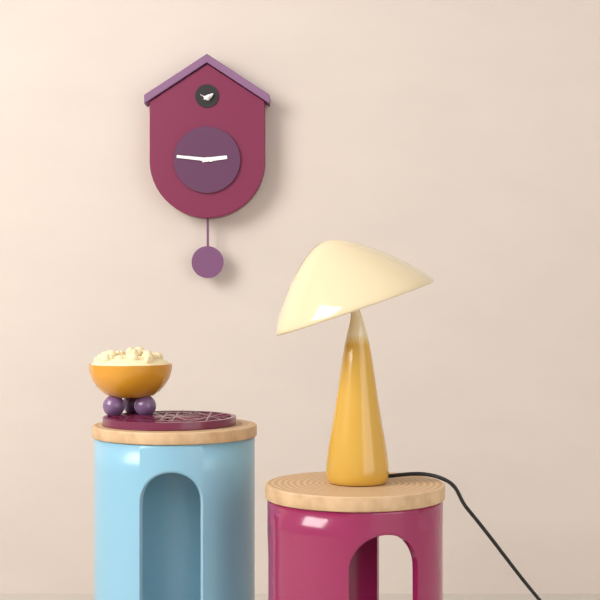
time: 2:46
